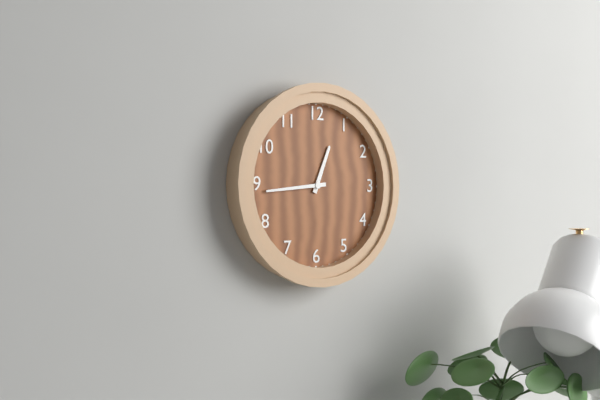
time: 12:44
